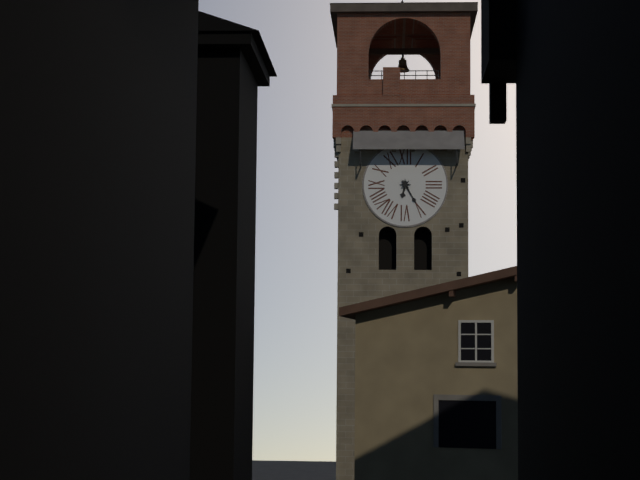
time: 6:25
